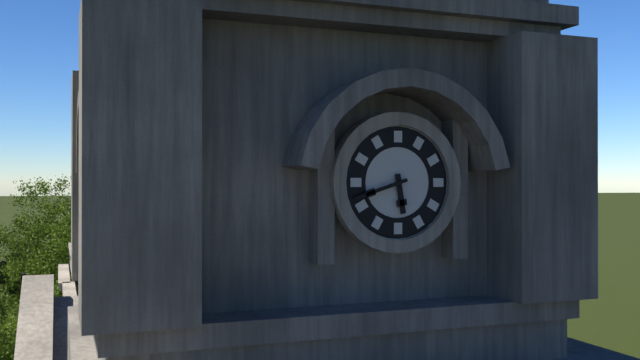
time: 5:42
